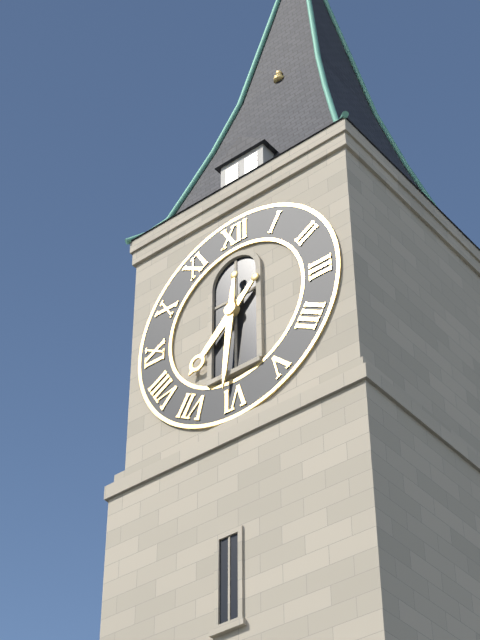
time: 7:31
